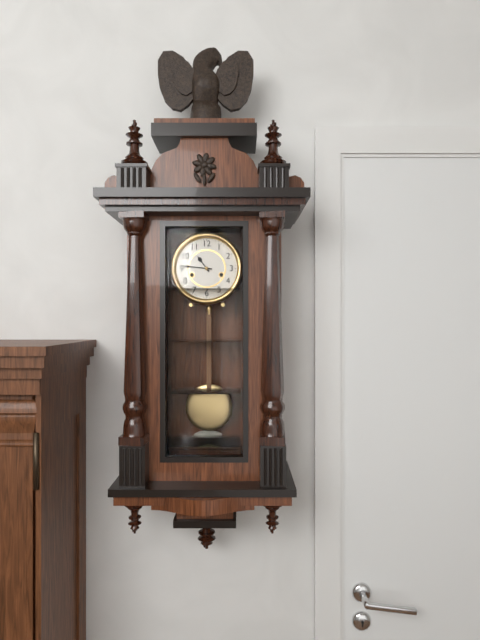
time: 10:46
